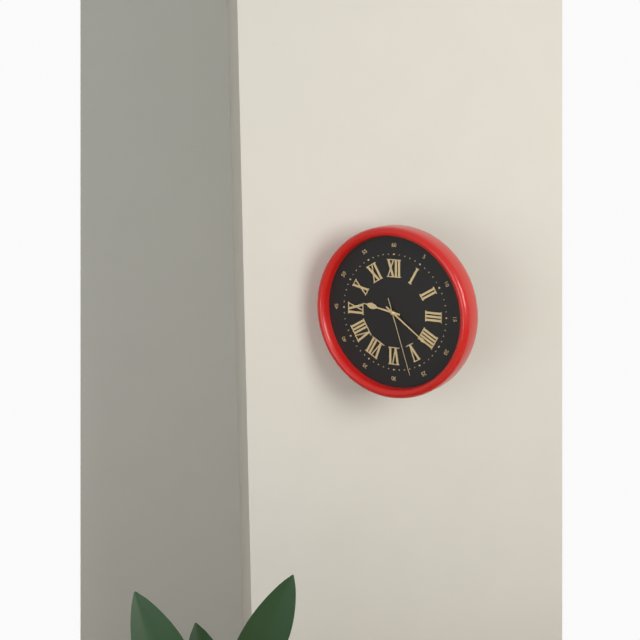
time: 9:21:27
